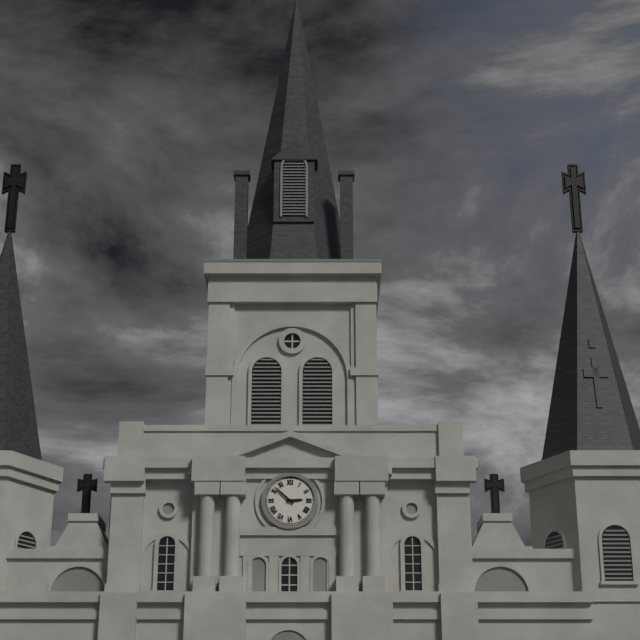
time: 2:52
